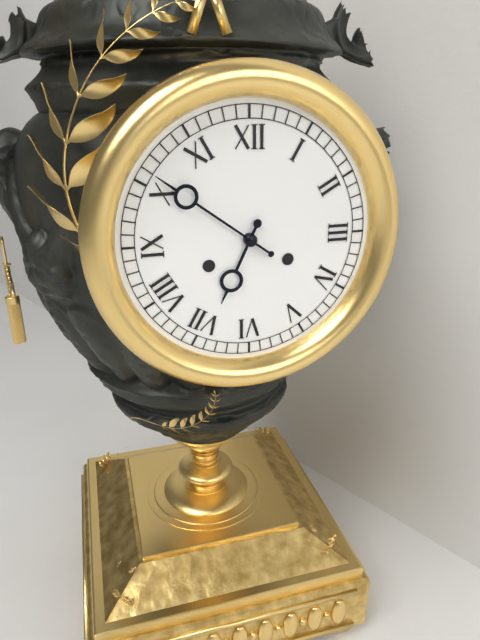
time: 6:51
